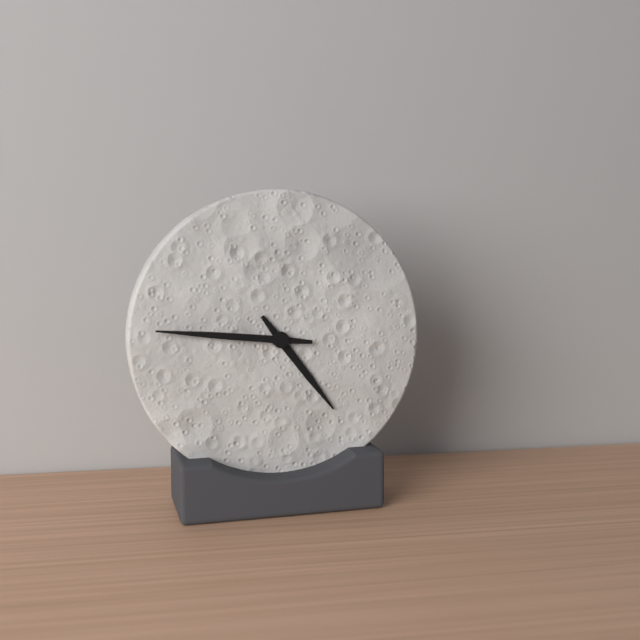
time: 4:46
